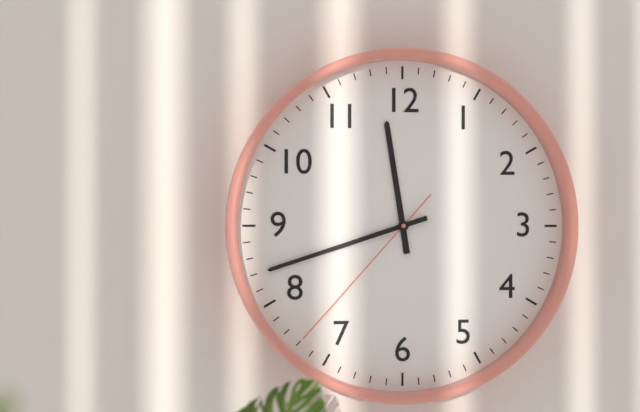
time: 11:42:37
